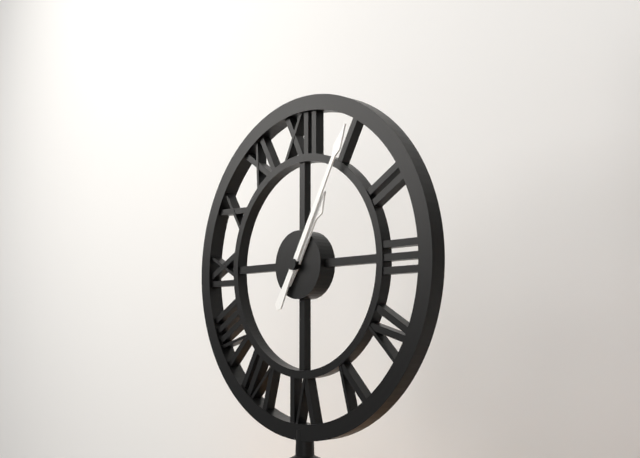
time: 1:05
